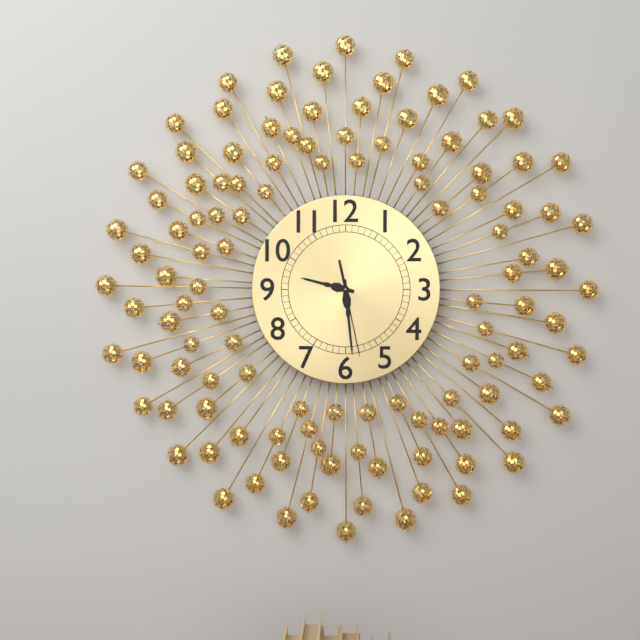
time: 9:29:28
